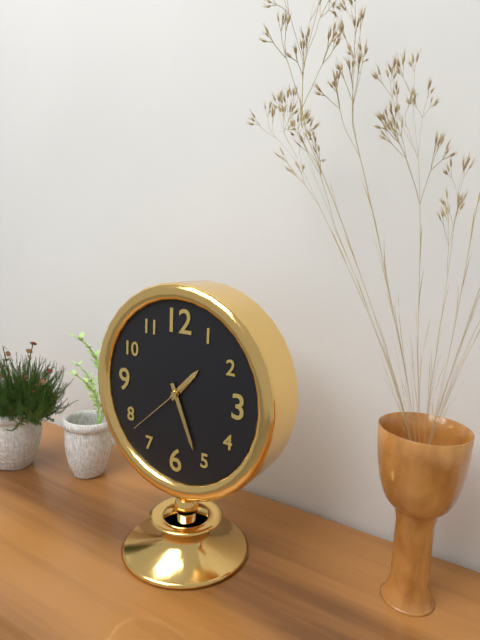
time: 1:26:38
